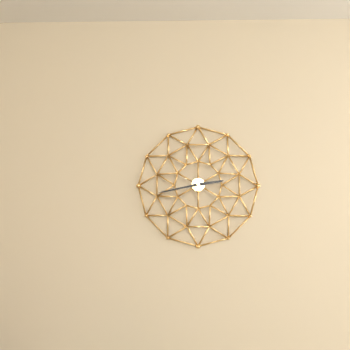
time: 2:43
